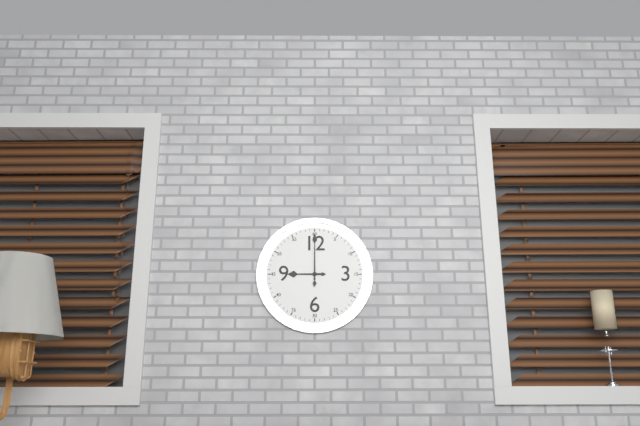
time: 9:00
